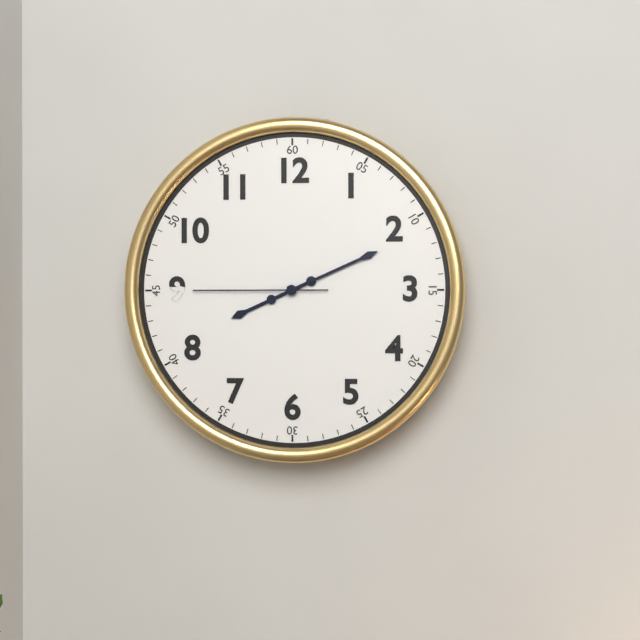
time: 8:11:45
